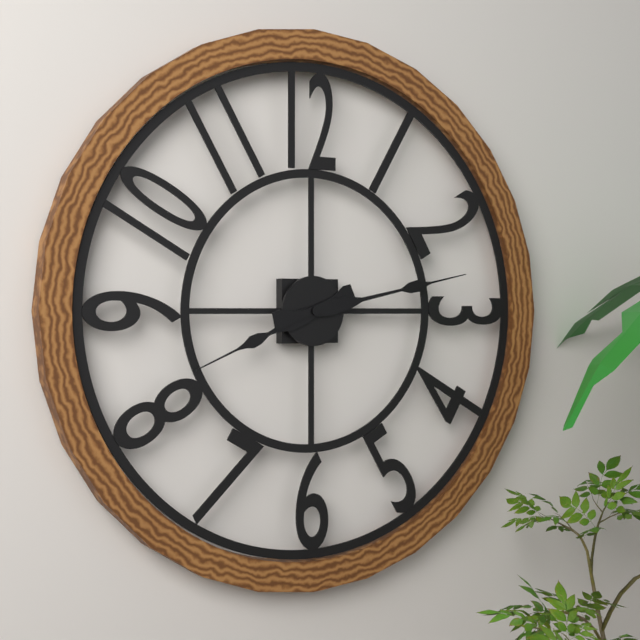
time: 8:13
